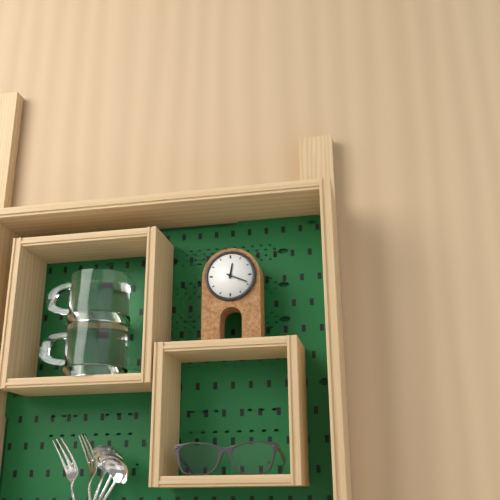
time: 12:19
